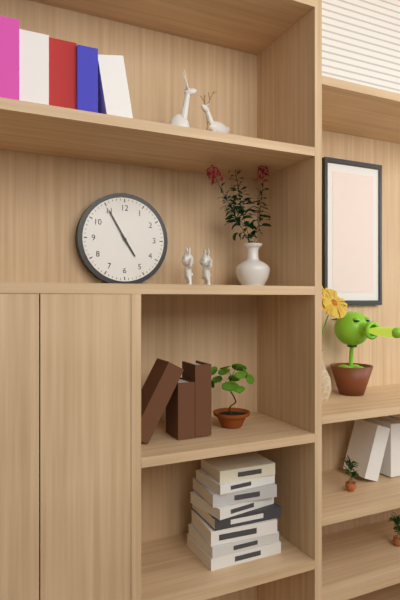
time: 4:55
